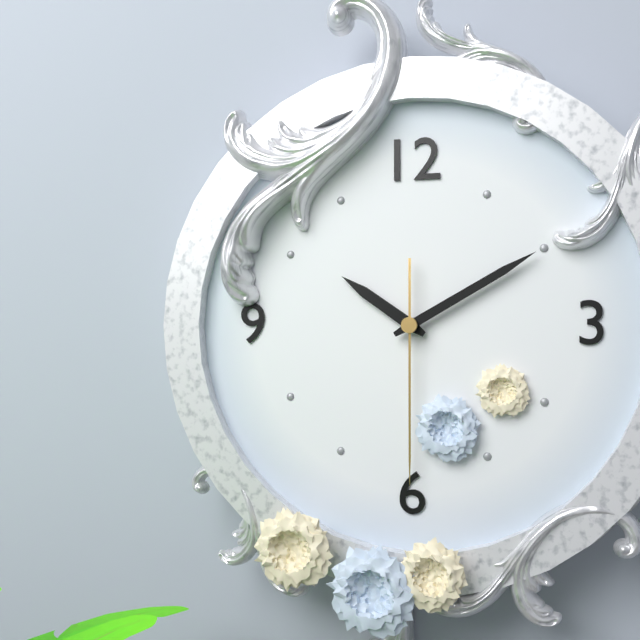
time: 10:10:30
